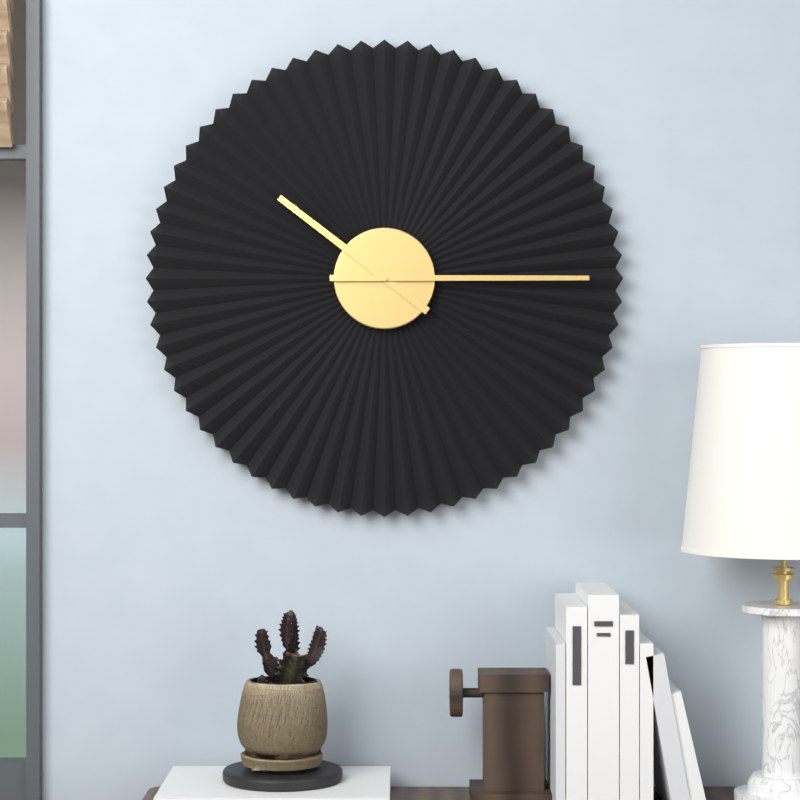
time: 10:15
